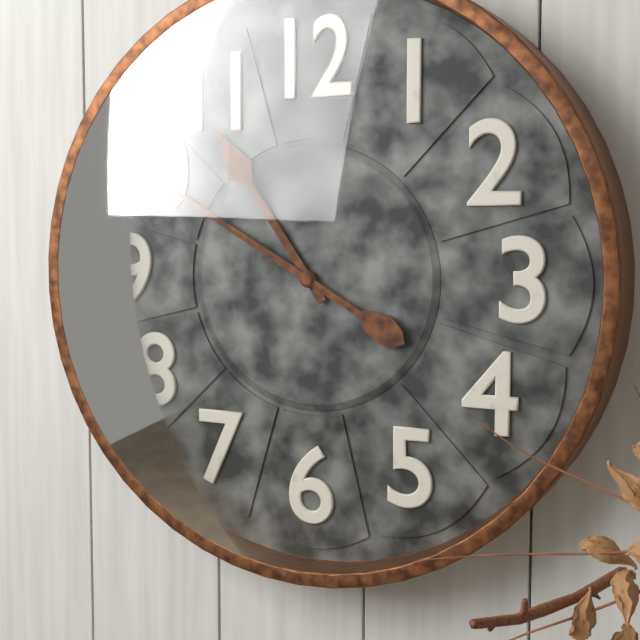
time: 10:50
